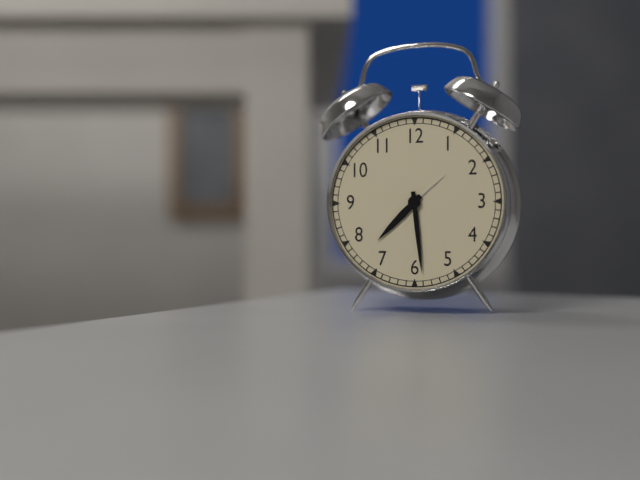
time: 7:29
